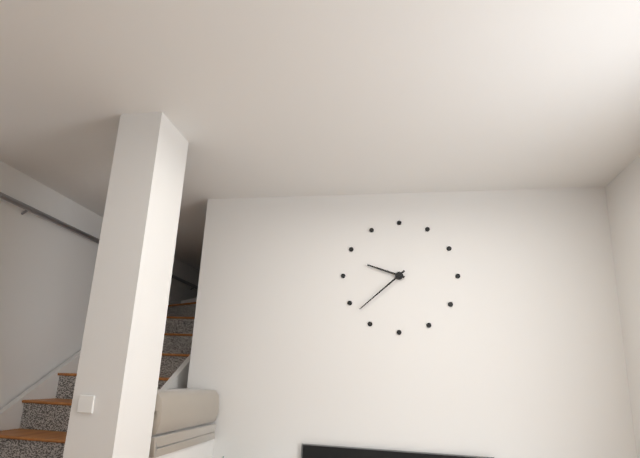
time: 9:38
